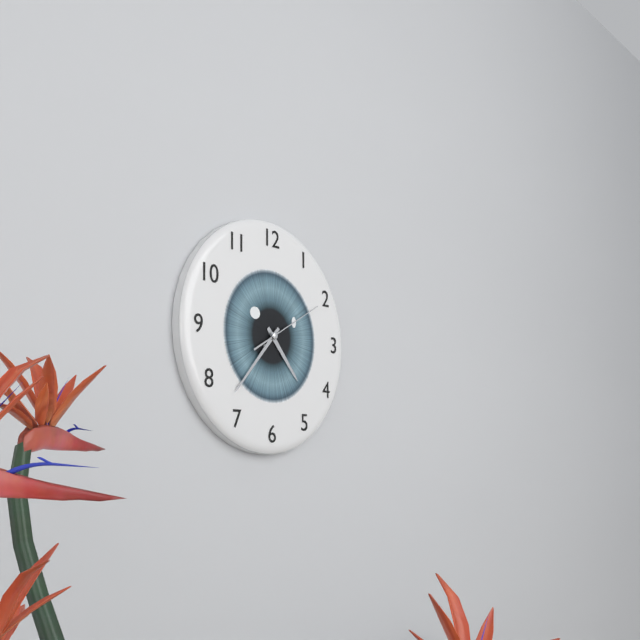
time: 4:37:10
